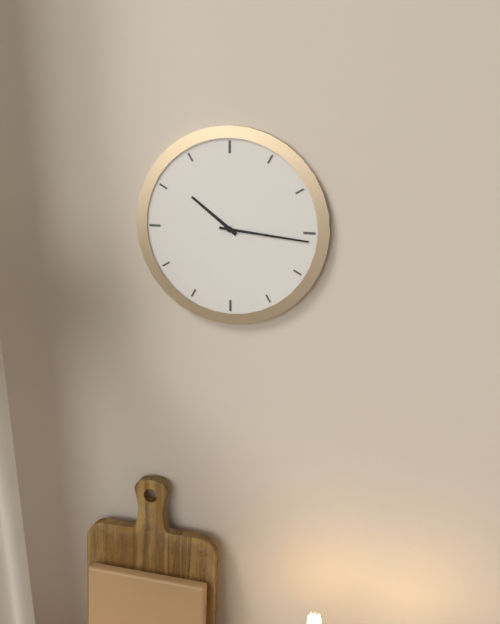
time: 10:16
